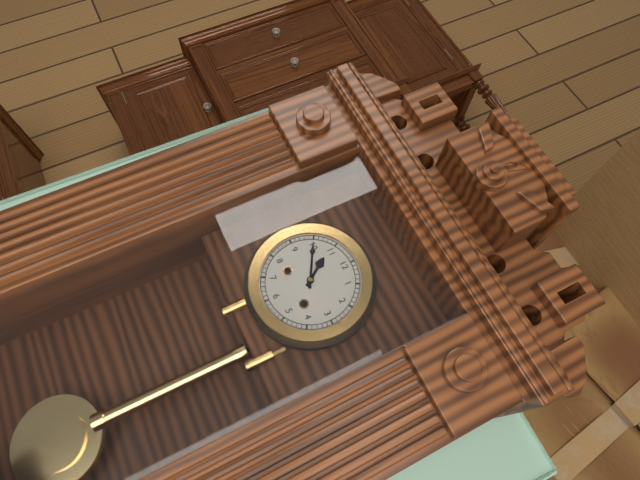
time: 10:50
